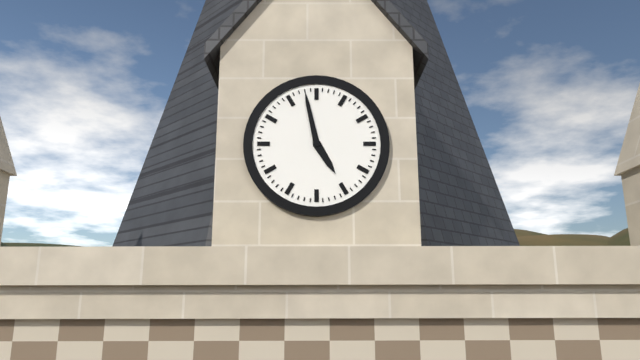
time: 4:58
